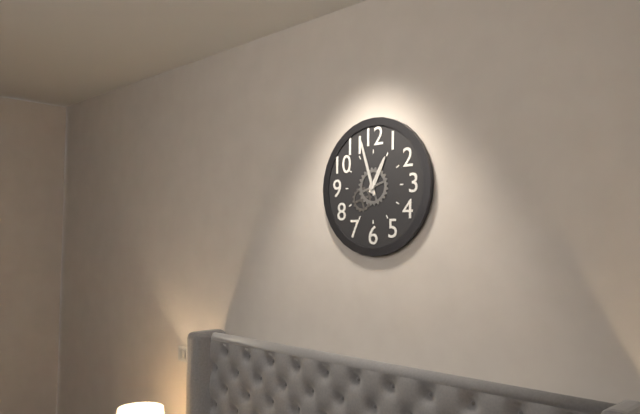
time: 12:57
